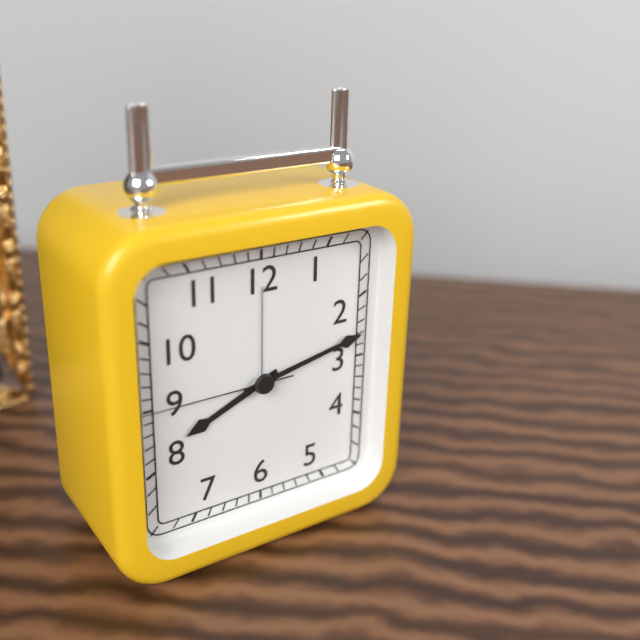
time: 8:13:45
